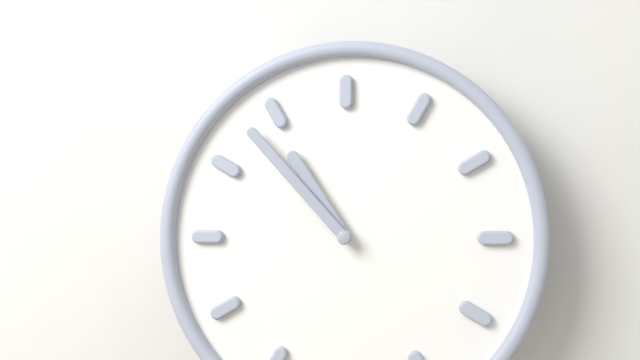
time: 10:53
